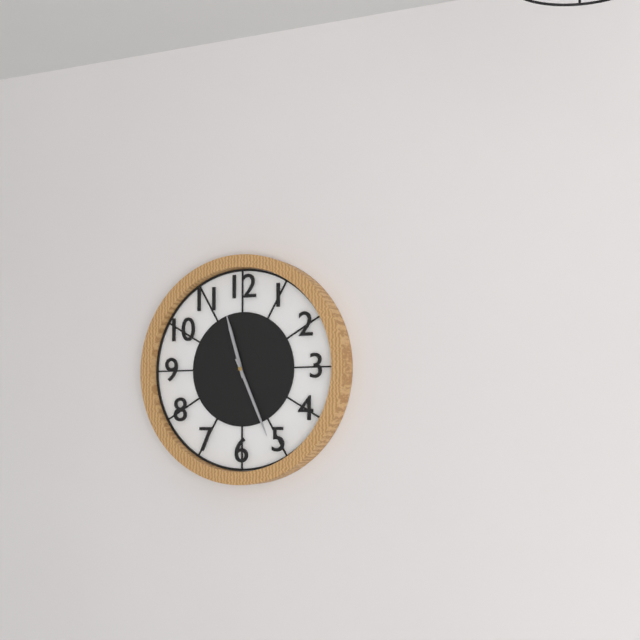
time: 11:26
